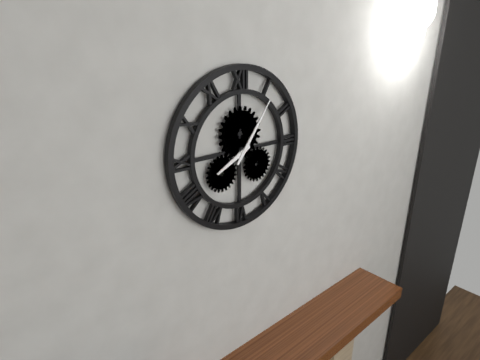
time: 8:06
